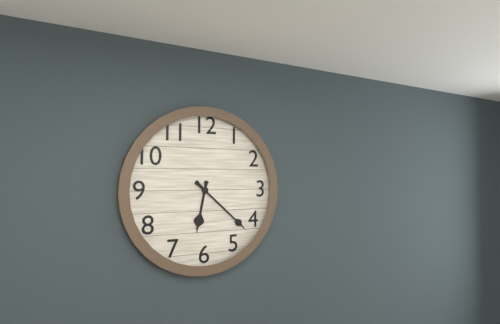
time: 6:22
